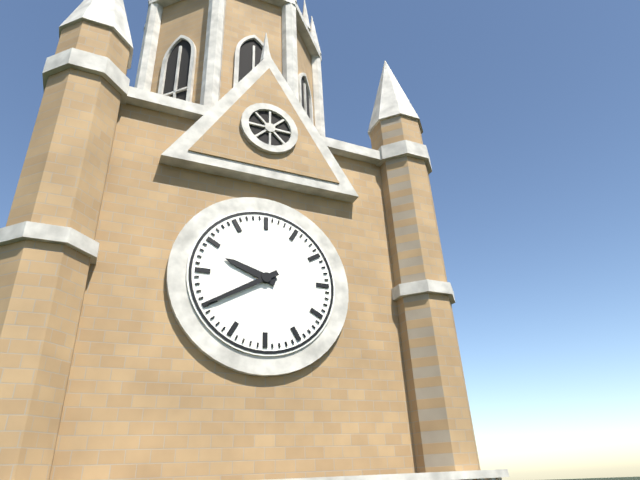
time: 9:40
